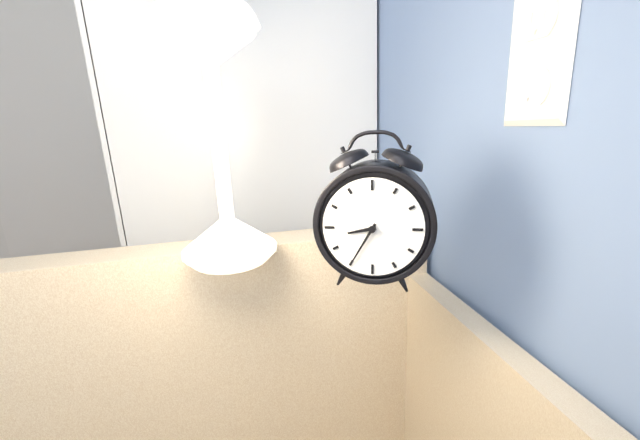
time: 8:35
